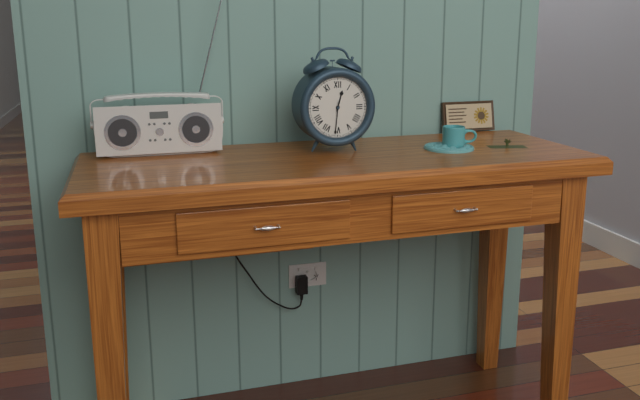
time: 12:31
